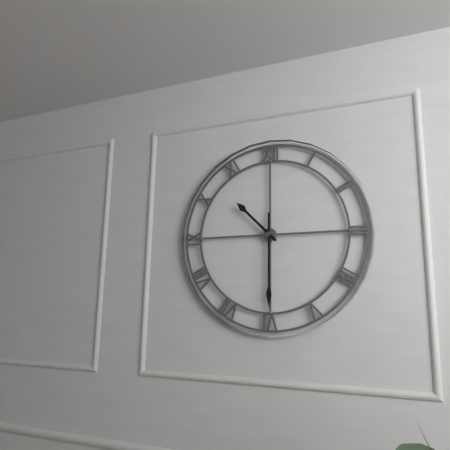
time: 10:30
